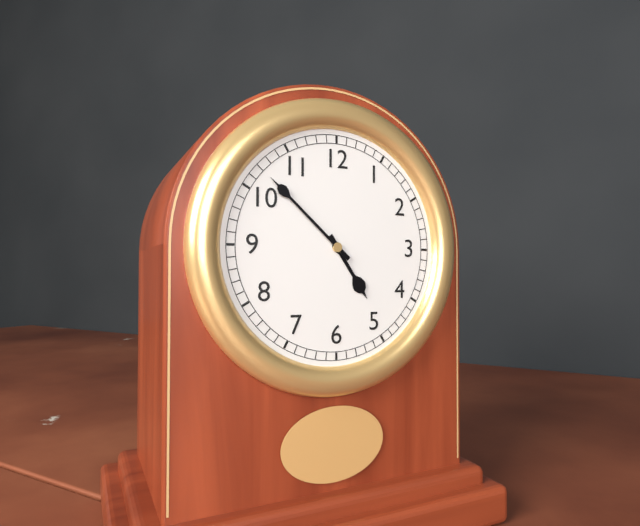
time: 4:52
